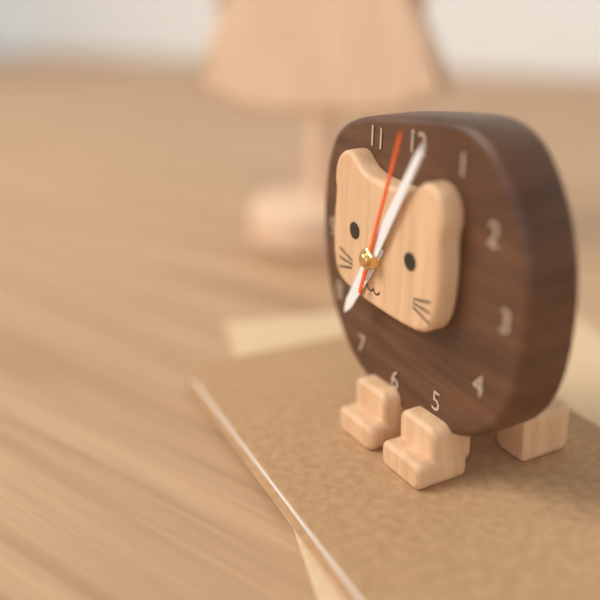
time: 7:05:03
